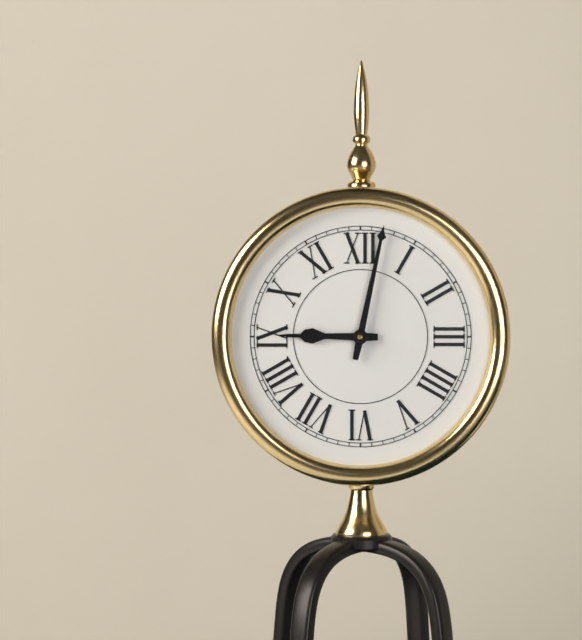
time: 9:02
